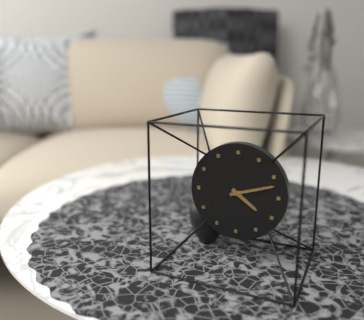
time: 4:12
